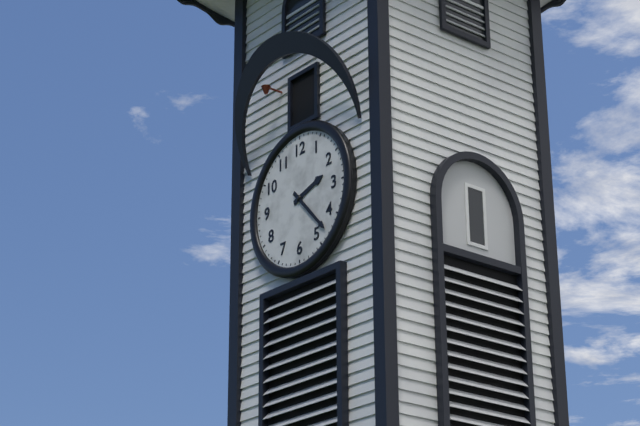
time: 2:23
